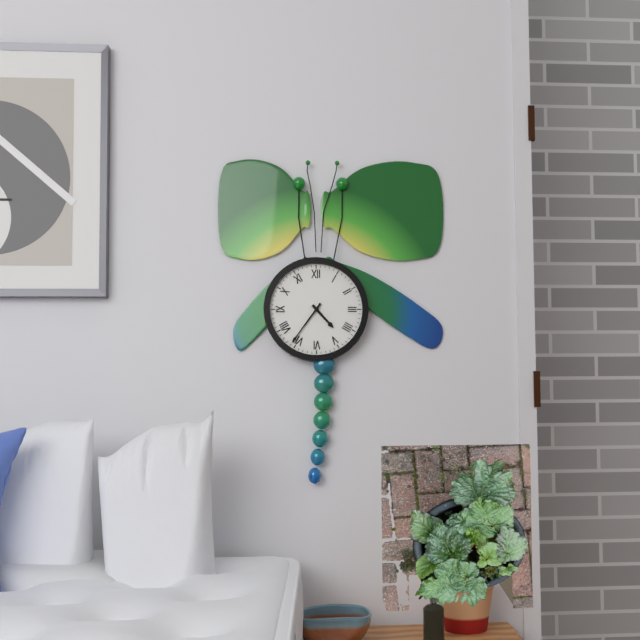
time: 4:36
